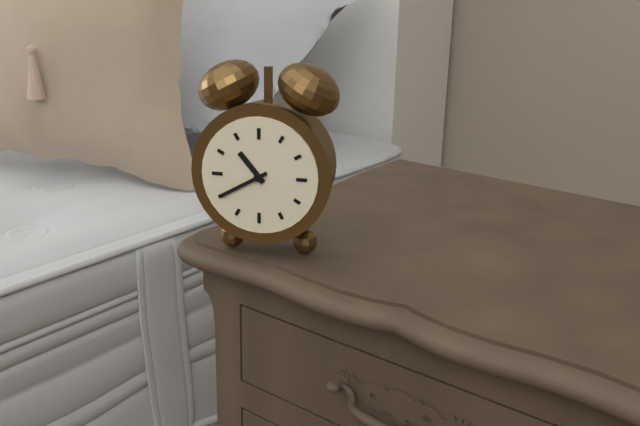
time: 10:40
